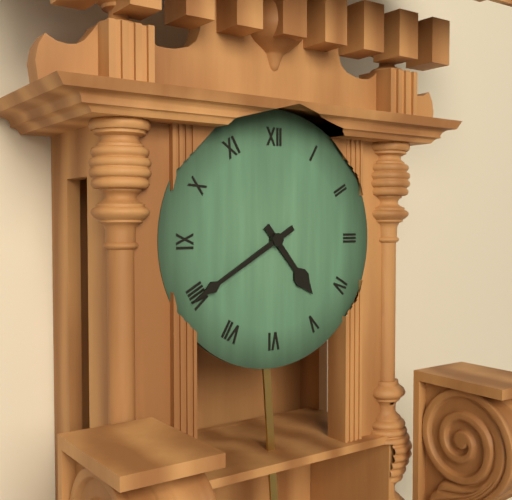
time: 4:40
